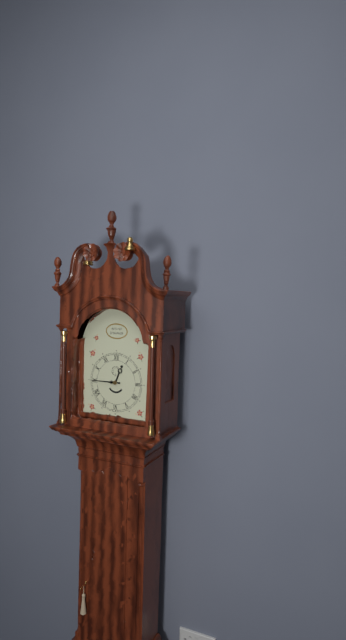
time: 12:45
